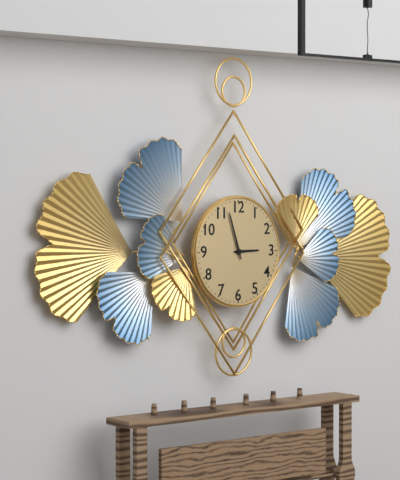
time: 2:57
